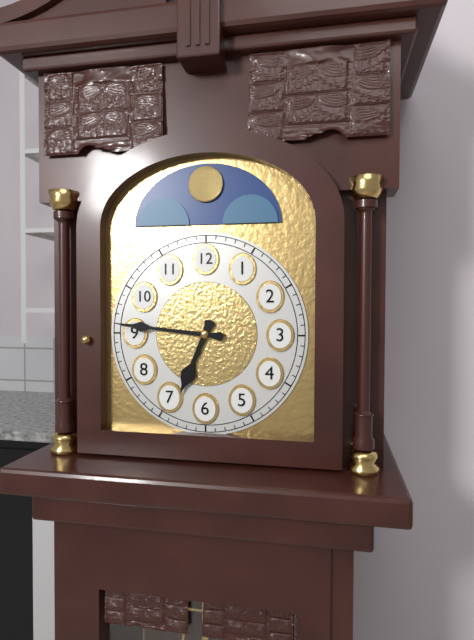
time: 6:46
